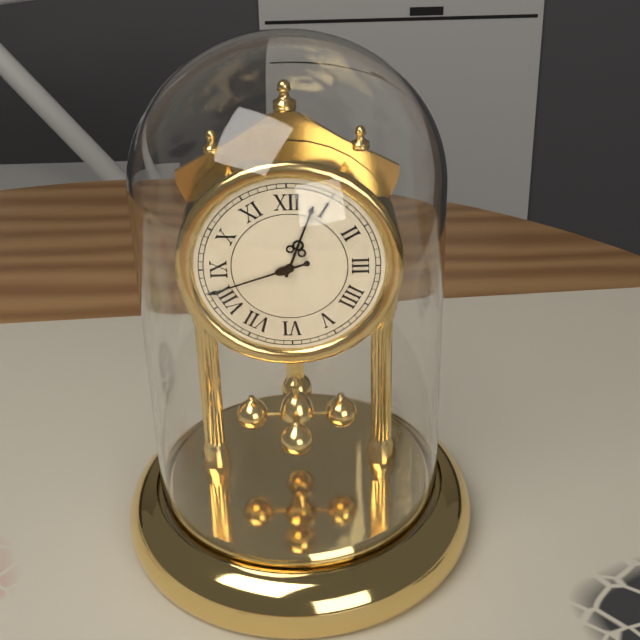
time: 12:42
